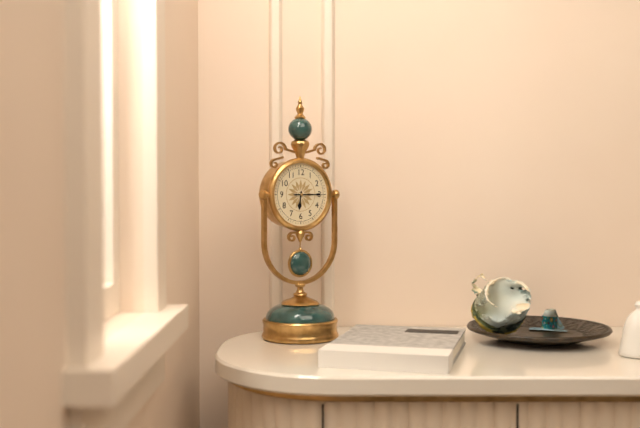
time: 6:15
